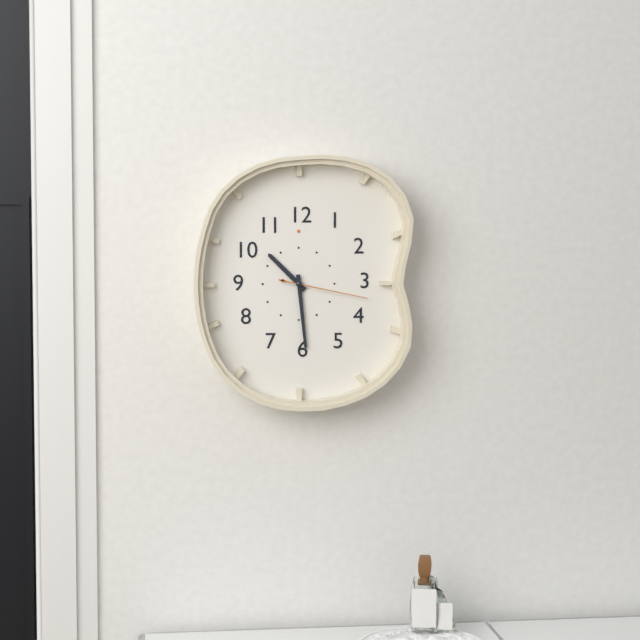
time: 10:29:17
